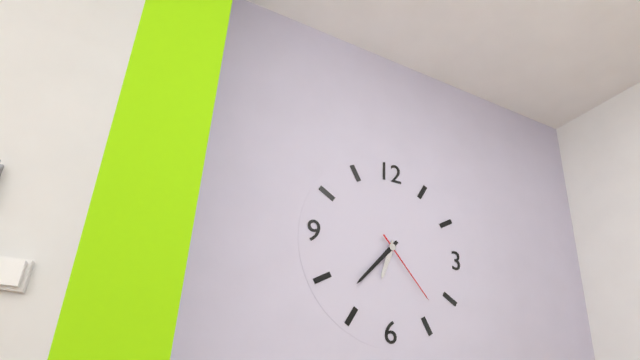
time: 6:37:23
